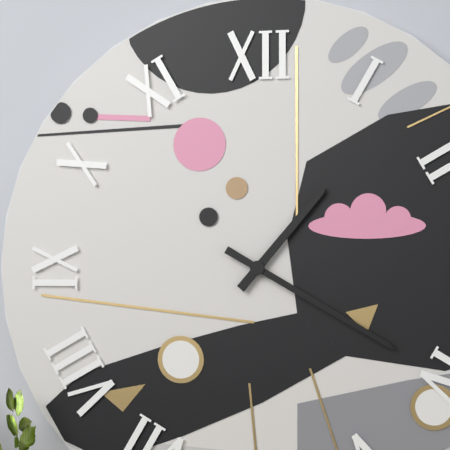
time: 1:20
